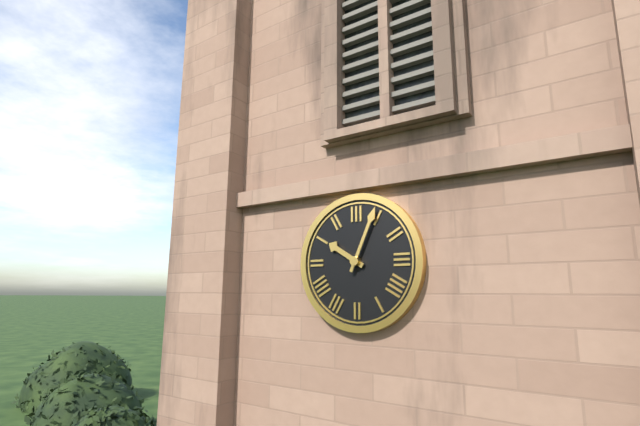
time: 10:04
